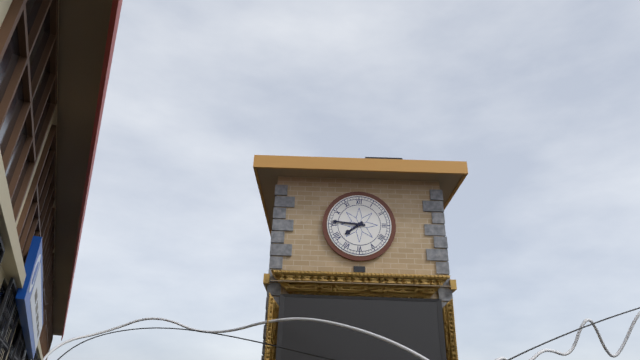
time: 7:46
